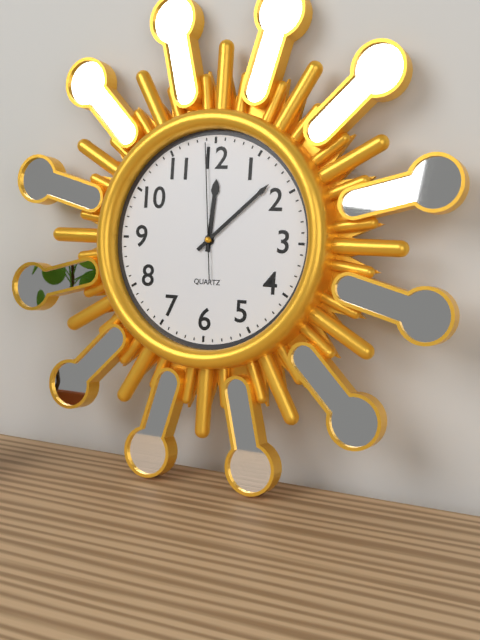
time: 12:08:59
